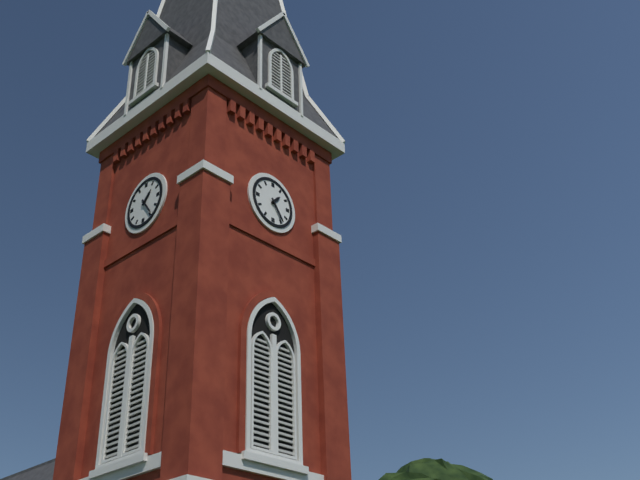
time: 1:24
